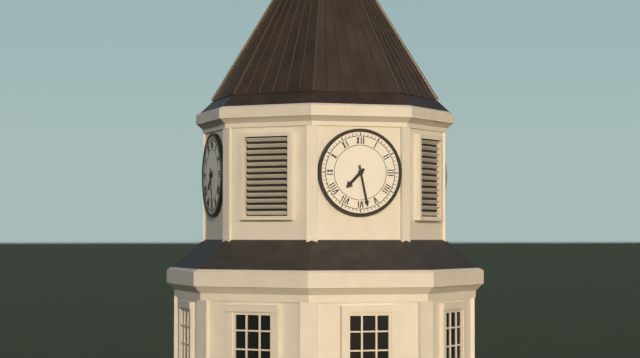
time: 7:28
